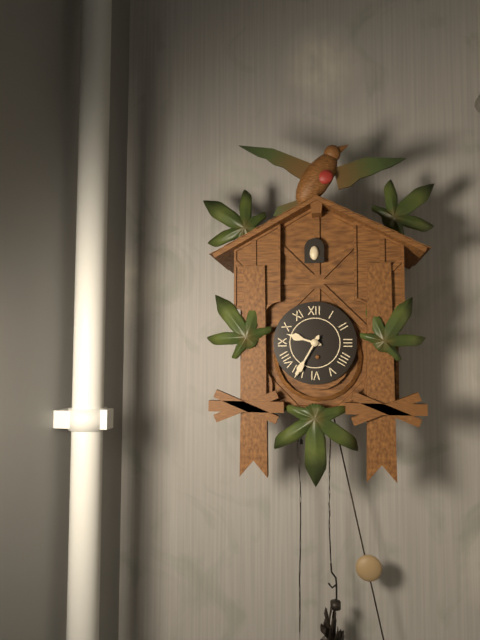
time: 9:35
